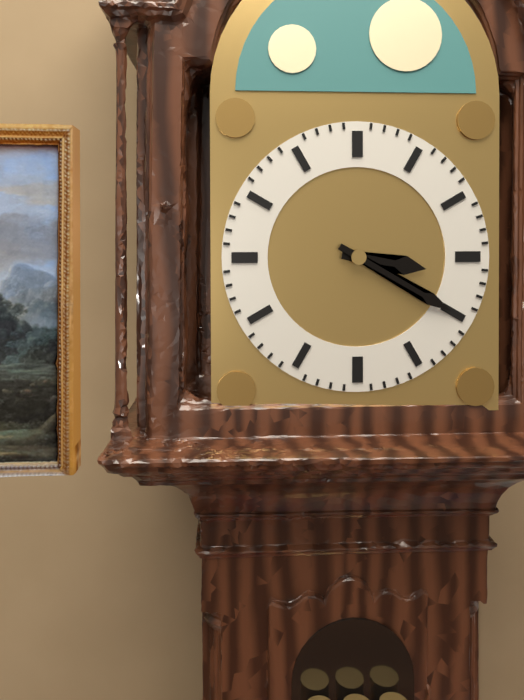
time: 3:20
